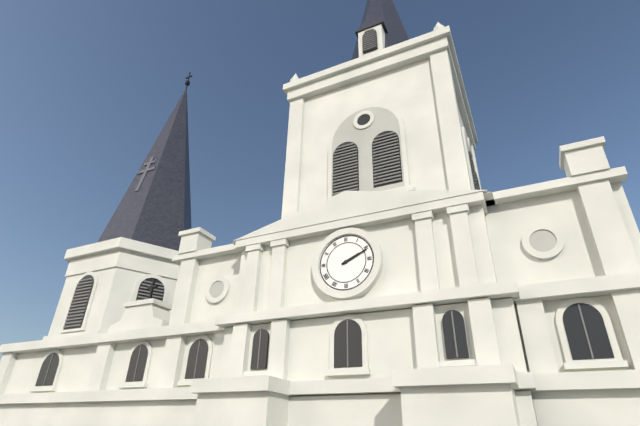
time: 2:11
